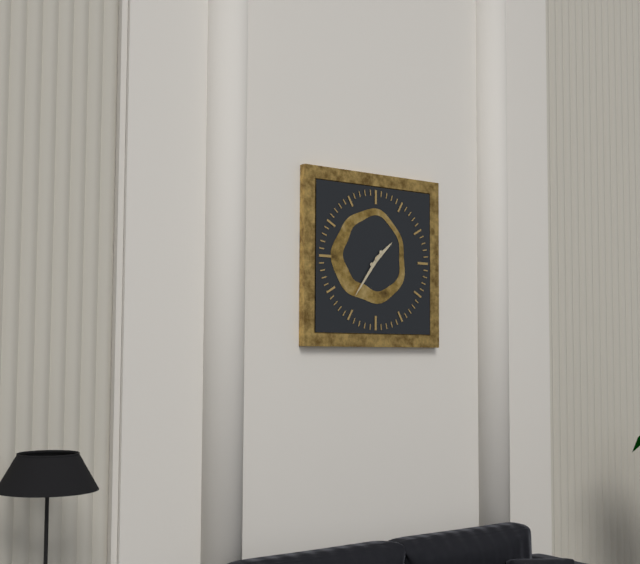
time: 1:36
